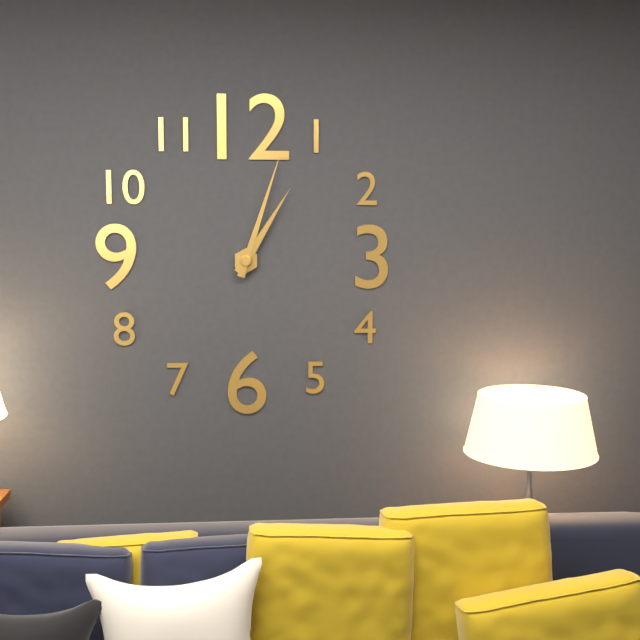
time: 1:03
